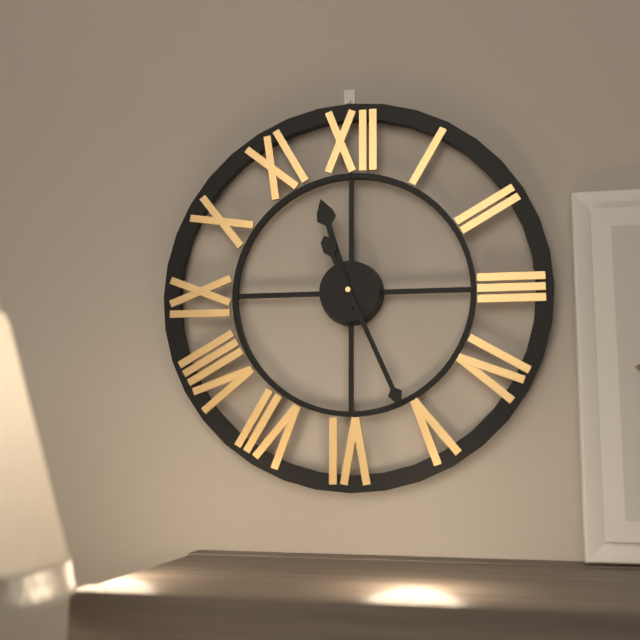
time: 11:26
